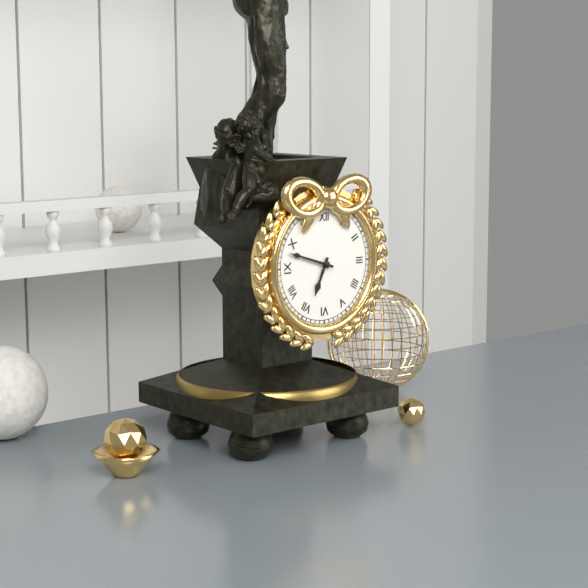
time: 6:48
